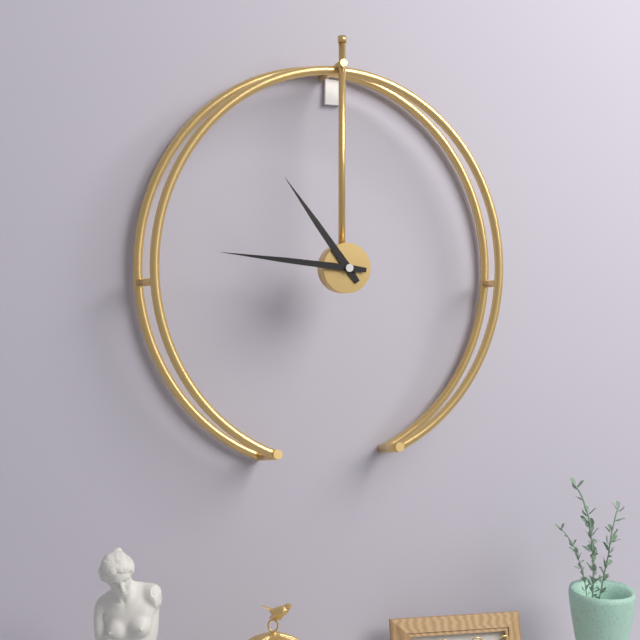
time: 10:46
